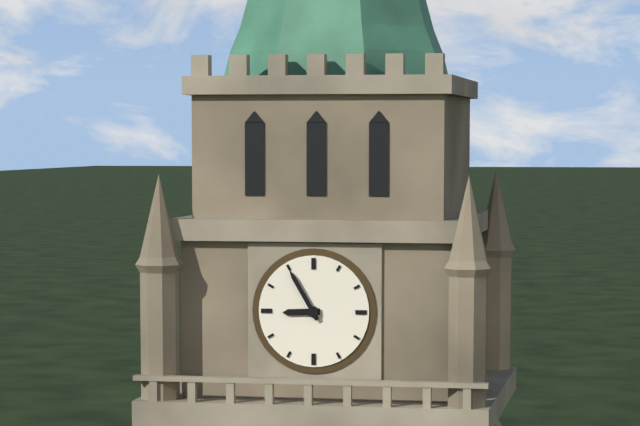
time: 8:55
